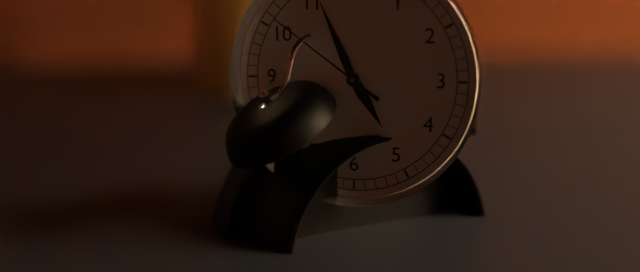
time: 4:56:51
